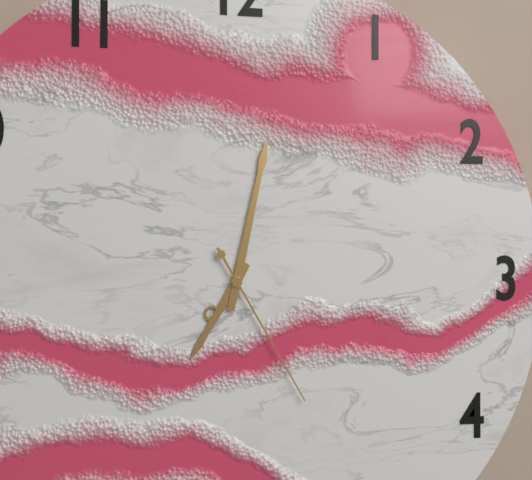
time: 7:02:25
